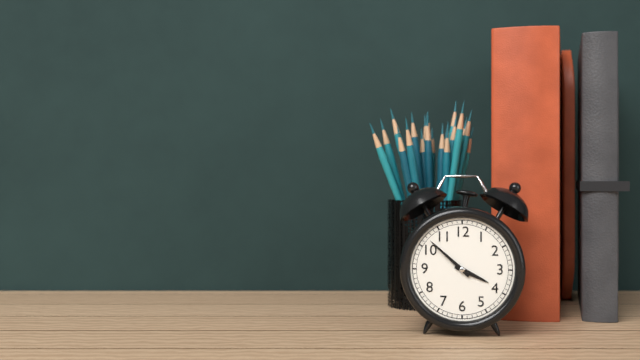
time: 3:52
